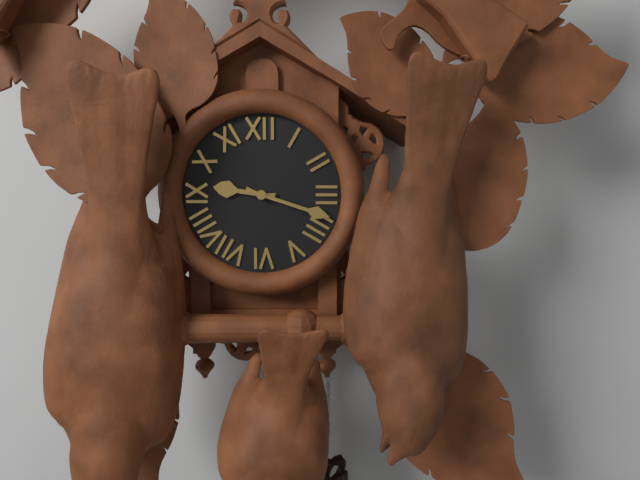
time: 9:18
